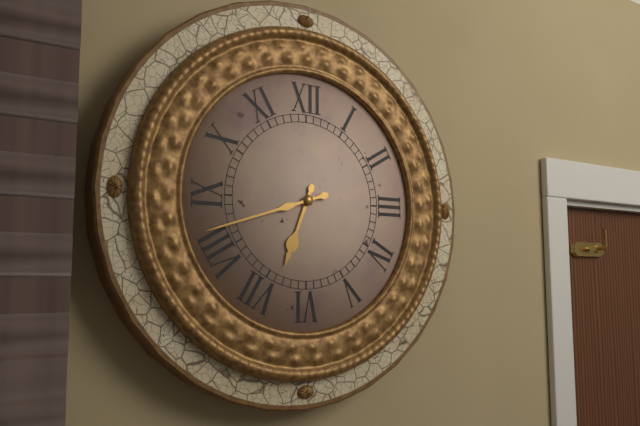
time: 6:42
